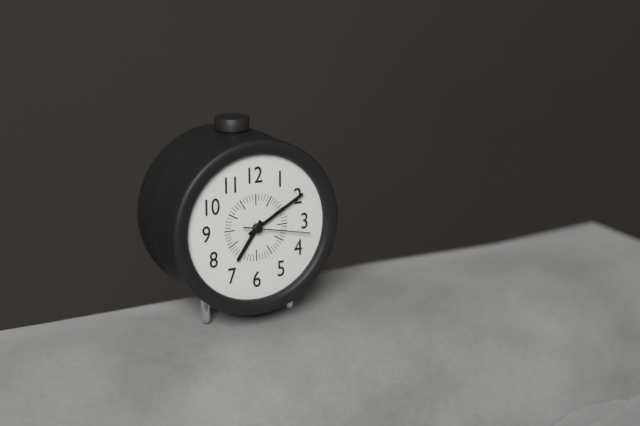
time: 7:10:17
